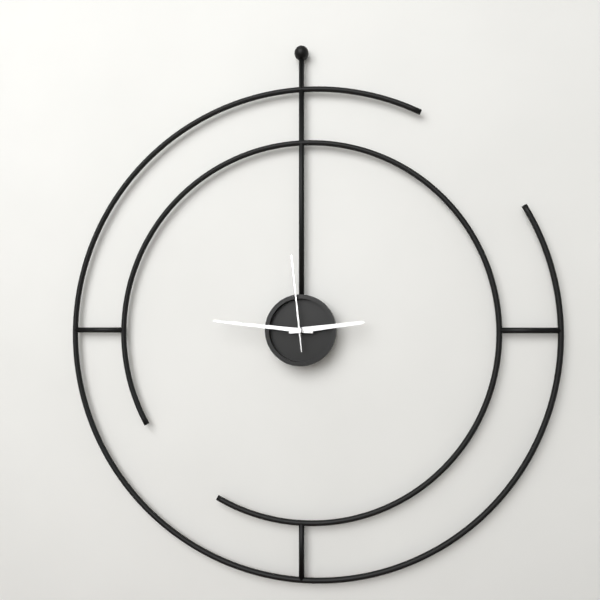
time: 2:46:59
